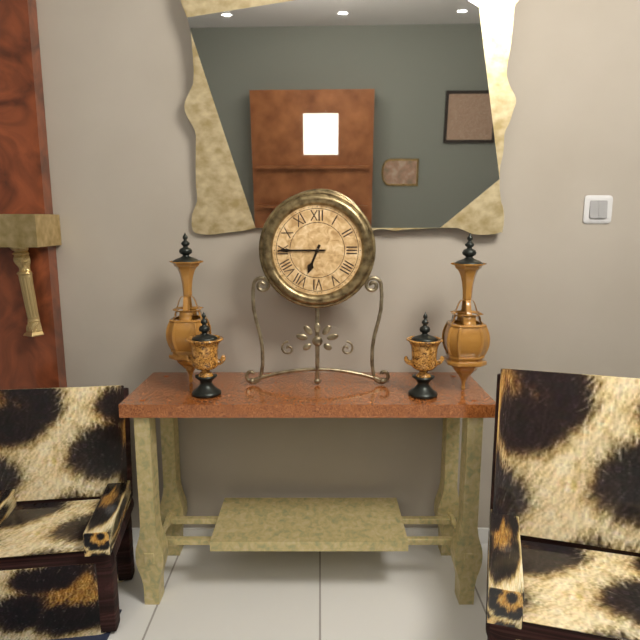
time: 6:45
